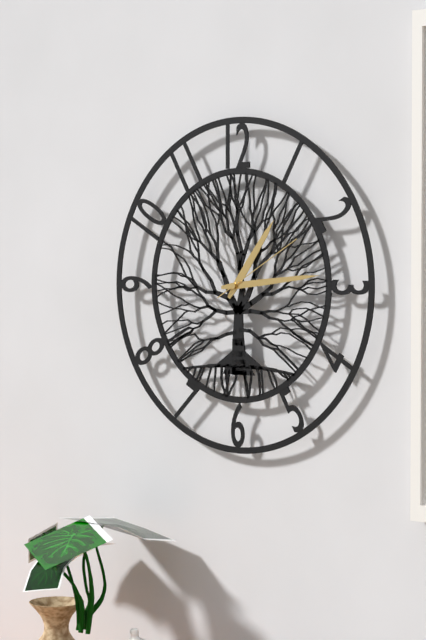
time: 1:14:10
